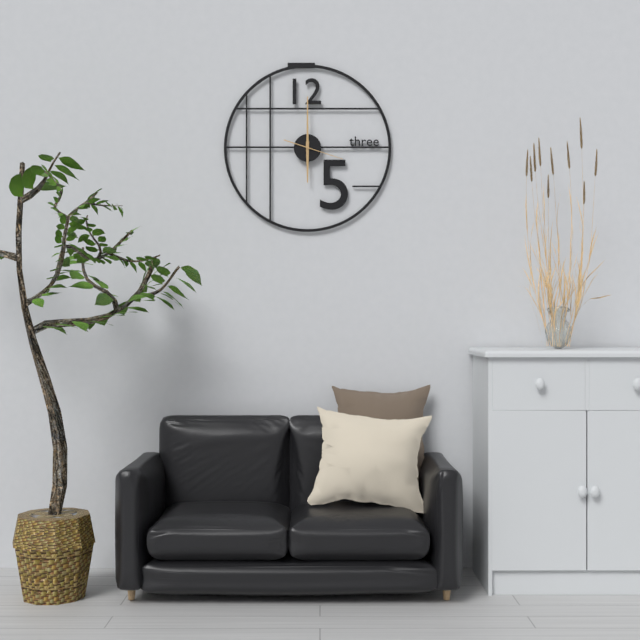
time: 6:00
